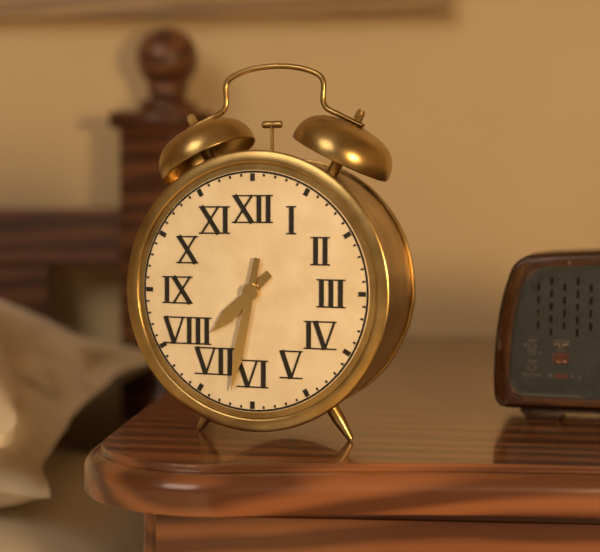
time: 7:32
